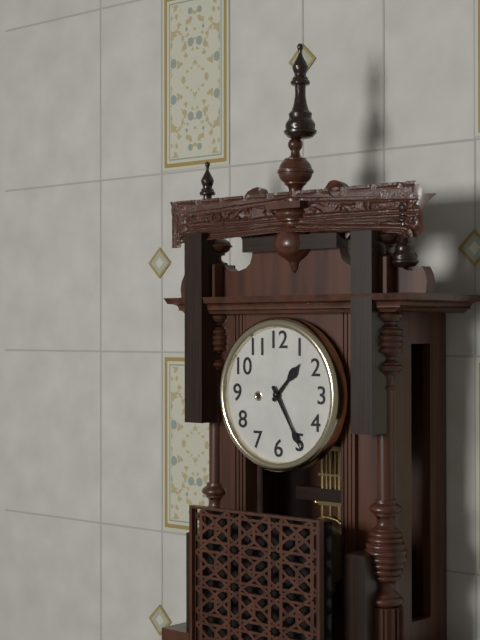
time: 1:25
